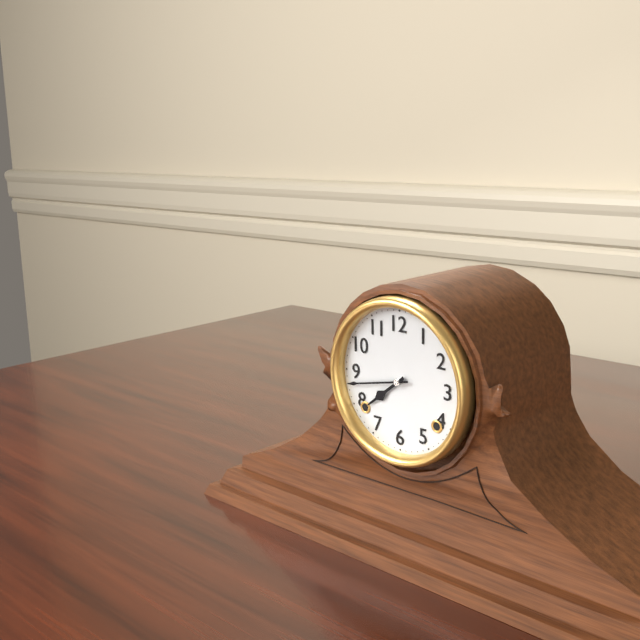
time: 7:43
